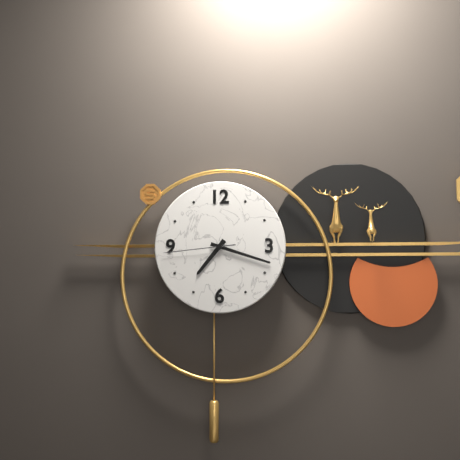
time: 7:18:44
